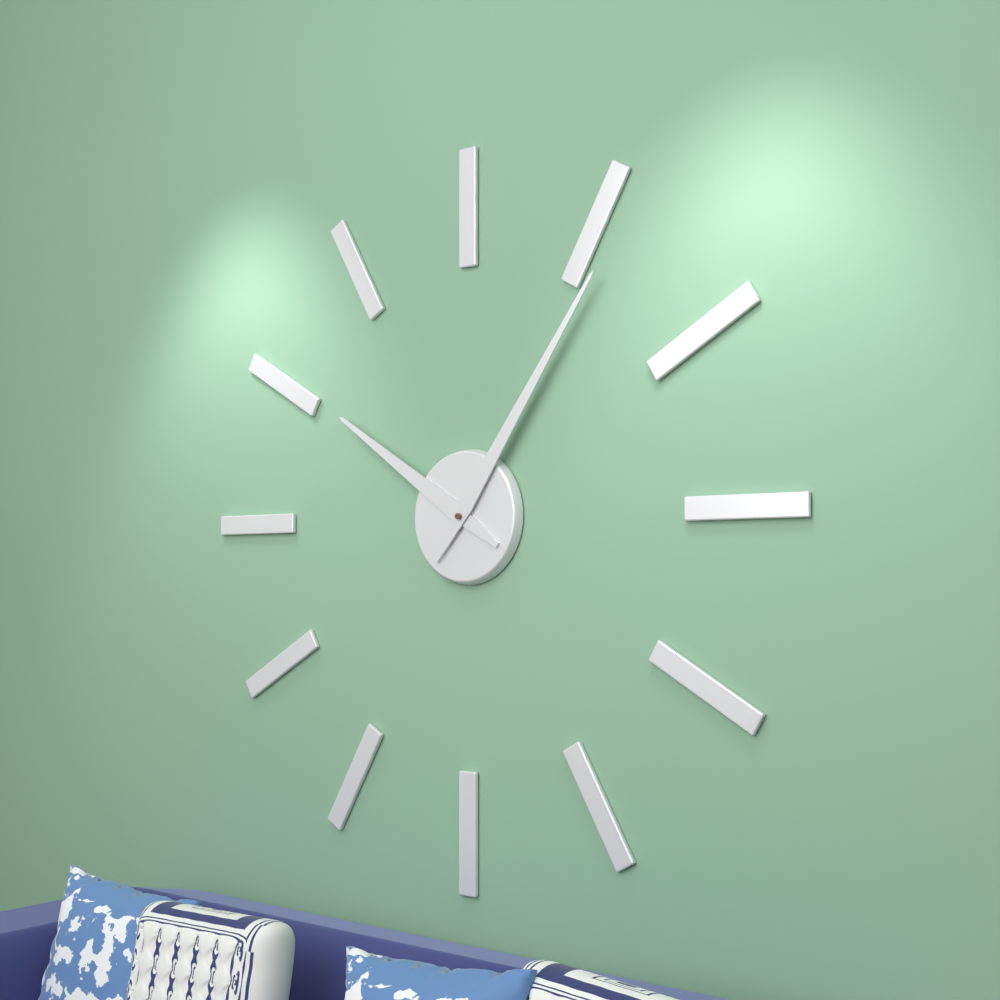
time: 10:06
